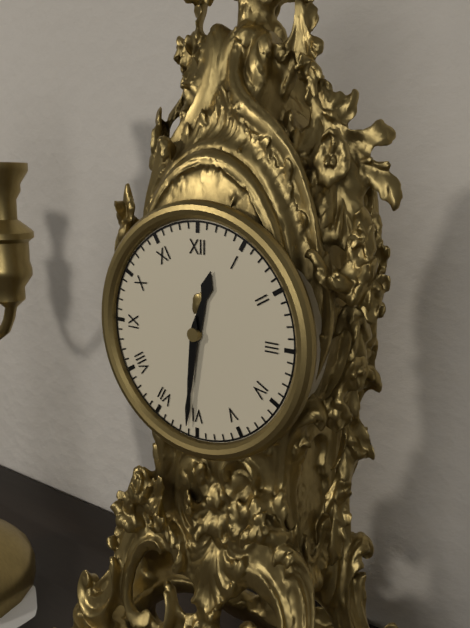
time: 12:31
